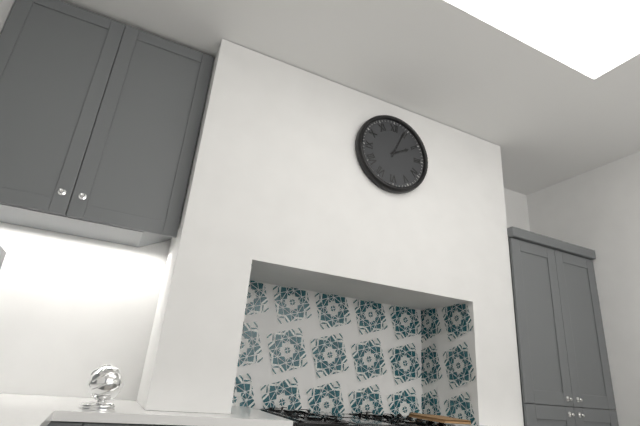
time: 2:04
